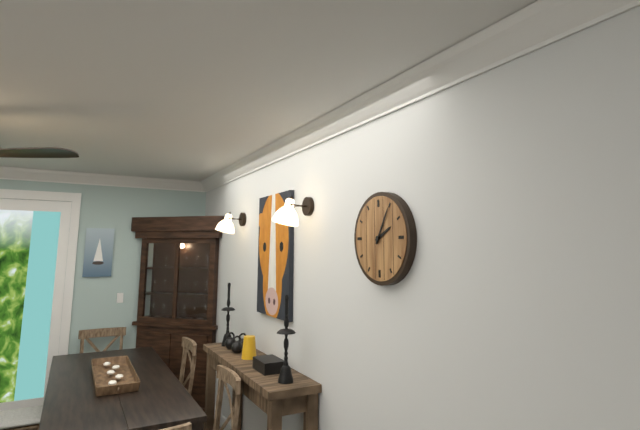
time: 2:05
